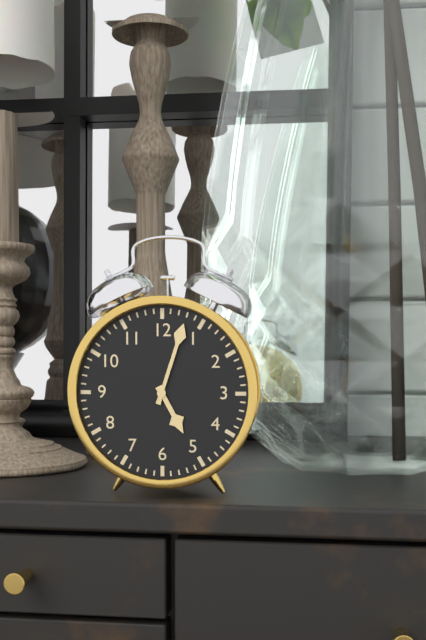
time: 5:03
